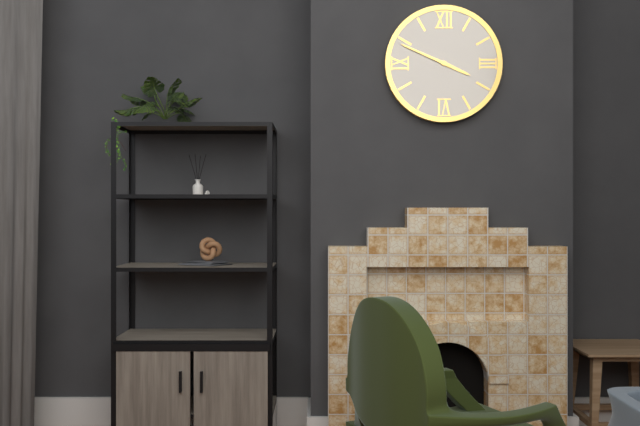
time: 3:49
